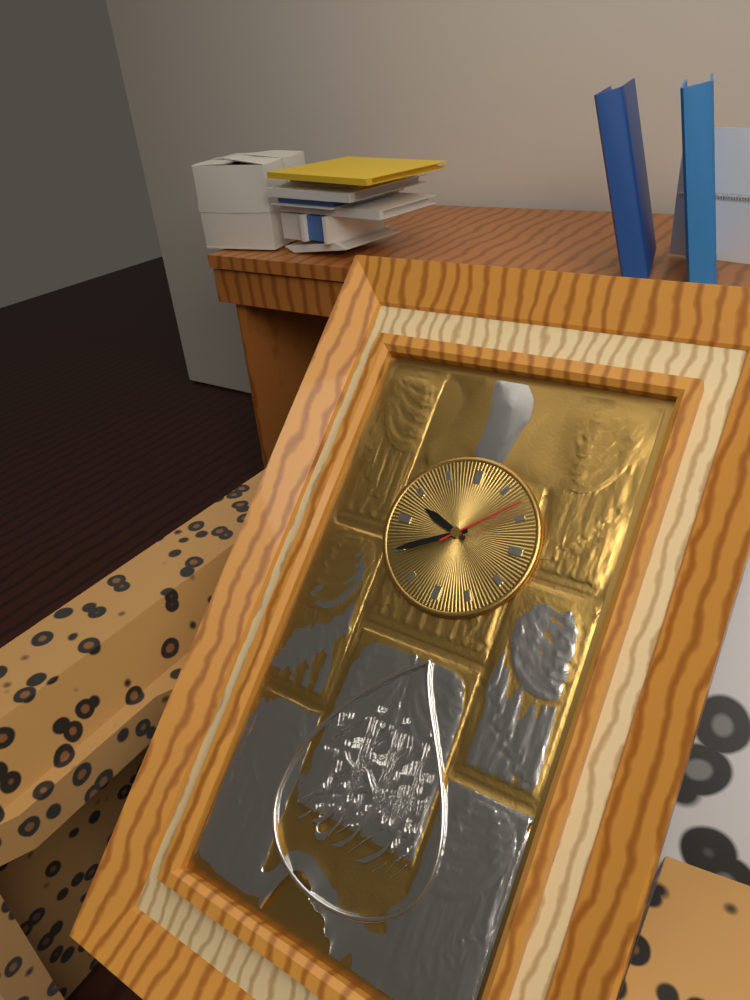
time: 9:40:08
